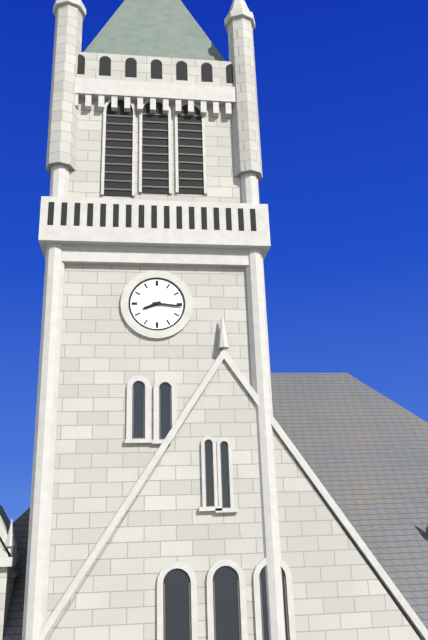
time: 8:16
